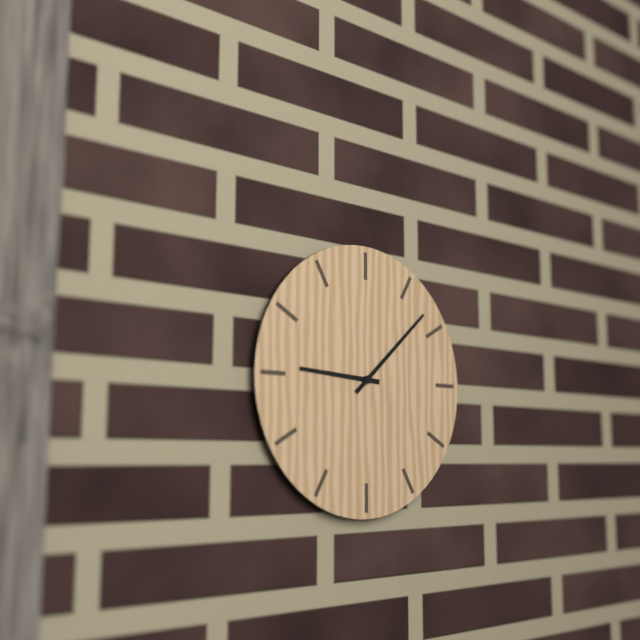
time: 9:08
